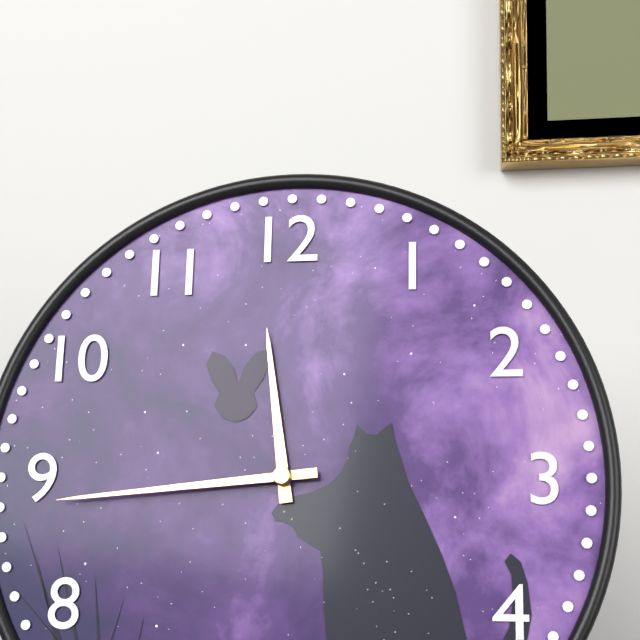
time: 11:44
